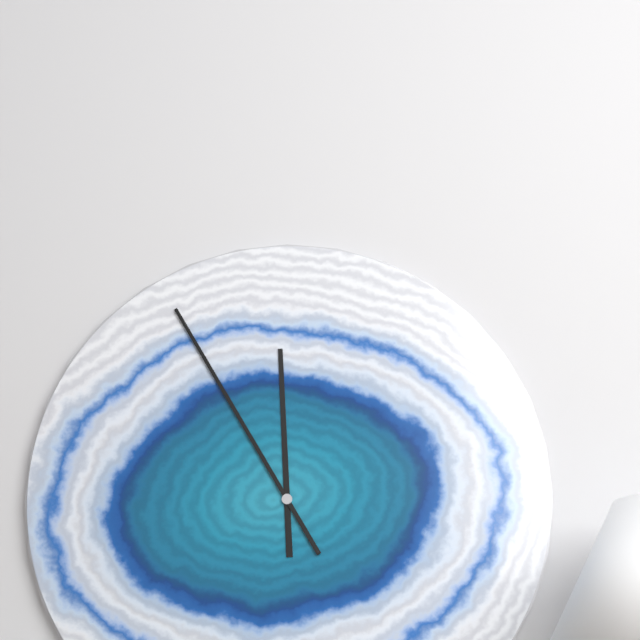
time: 11:55
